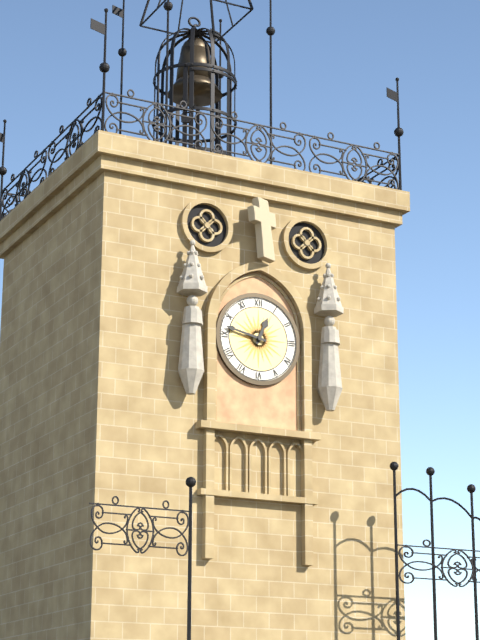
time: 12:47
